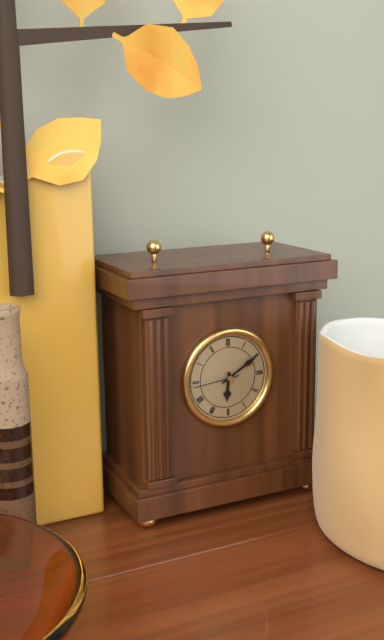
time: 6:10
